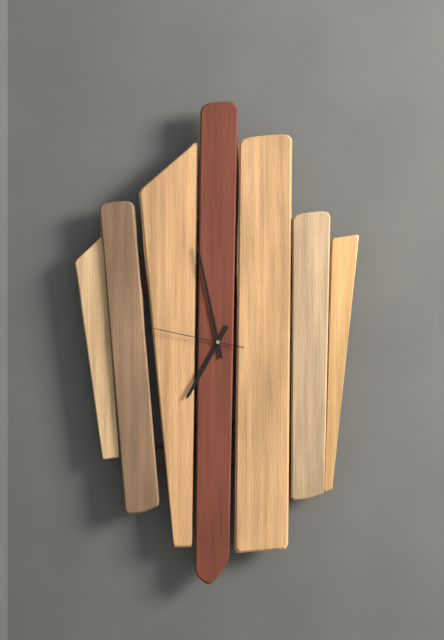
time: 6:58:47
